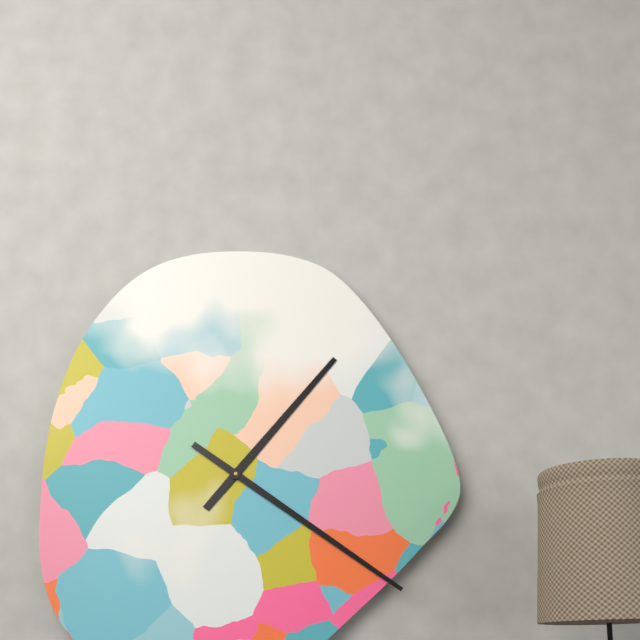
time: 1:21
